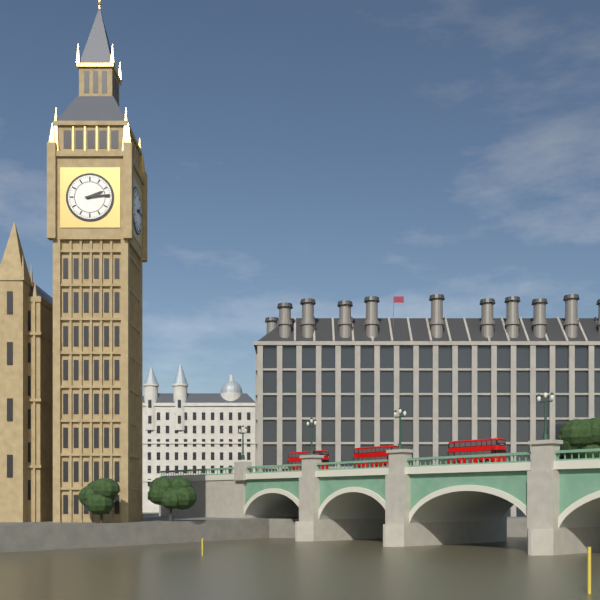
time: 2:14
